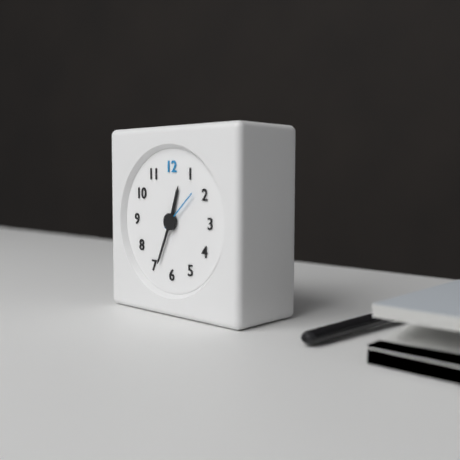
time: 12:34
